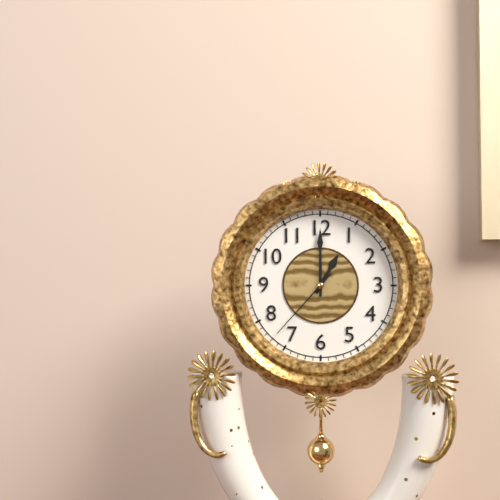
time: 1:00:37
